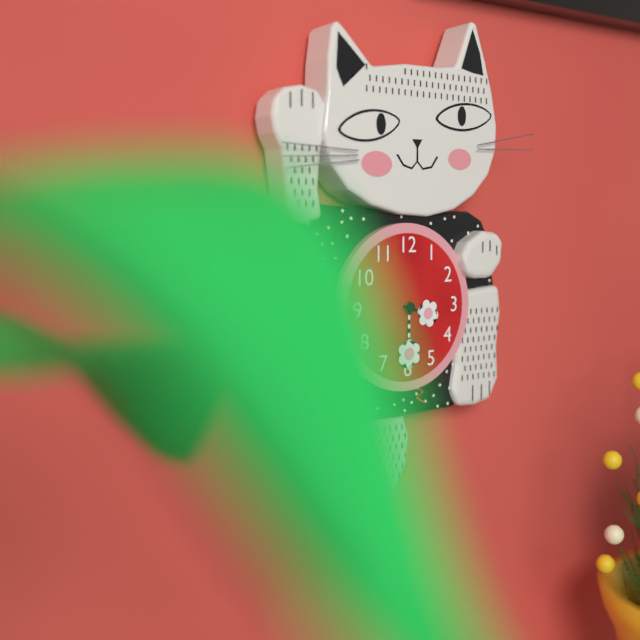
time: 3:30
